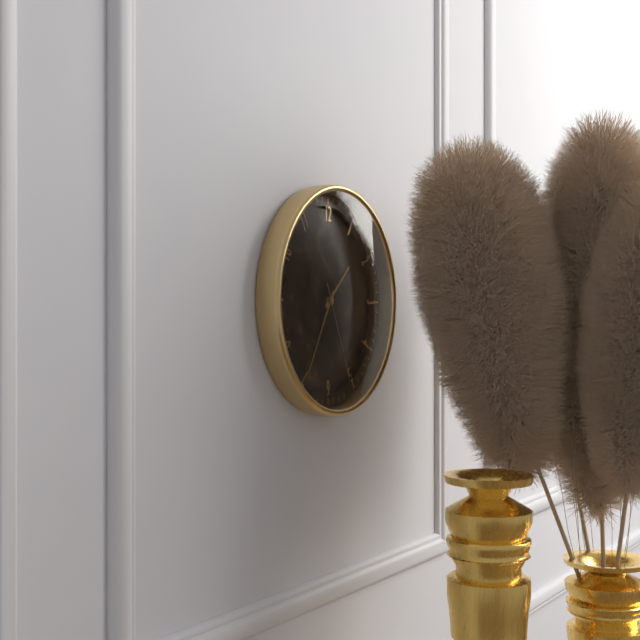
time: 1:35:26
